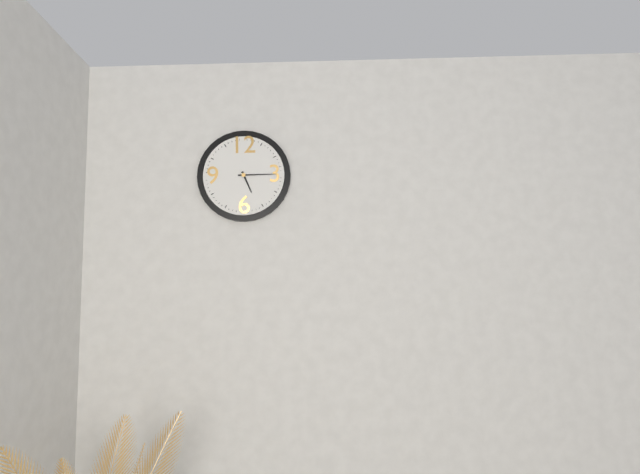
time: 5:15
